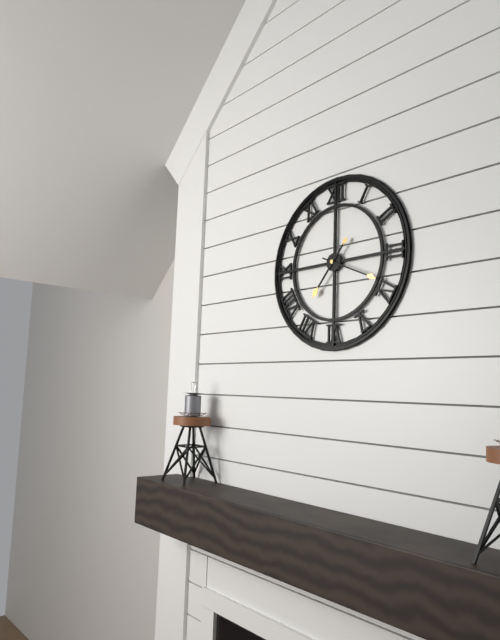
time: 7:19
